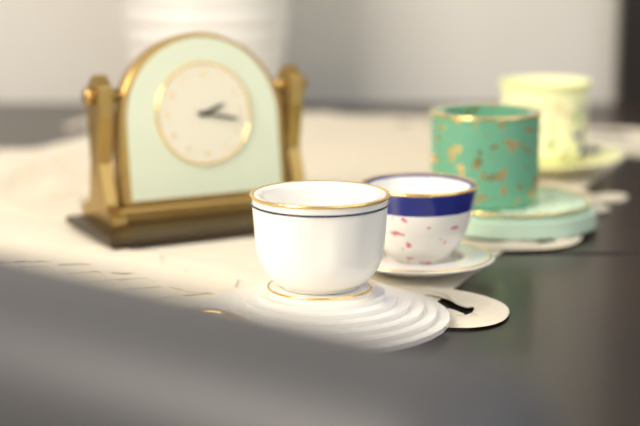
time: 2:17
